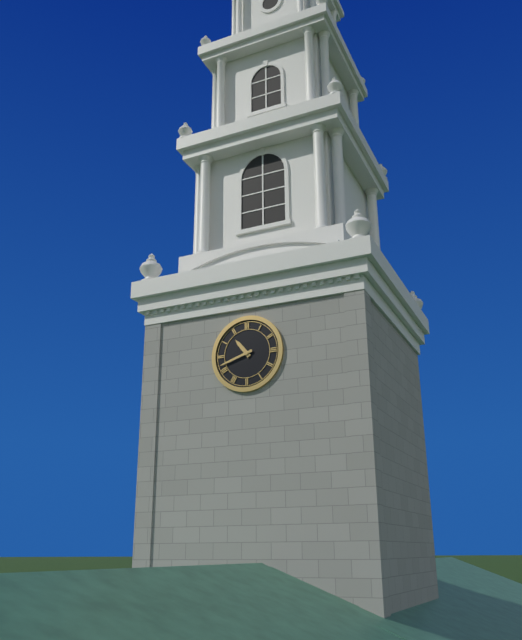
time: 10:42
